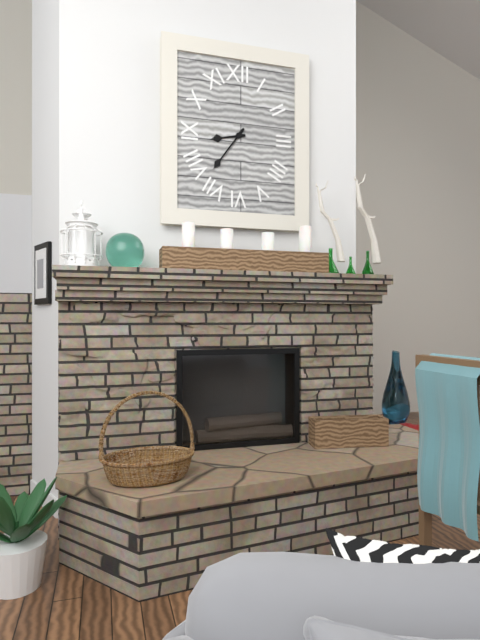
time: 8:36
